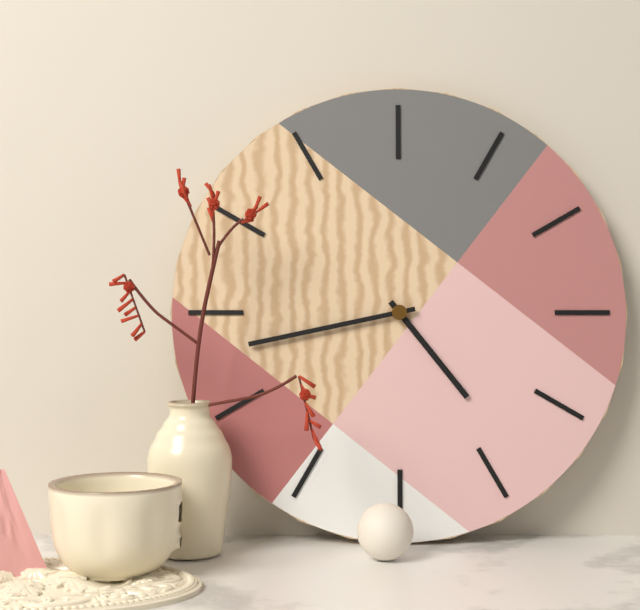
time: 4:43
